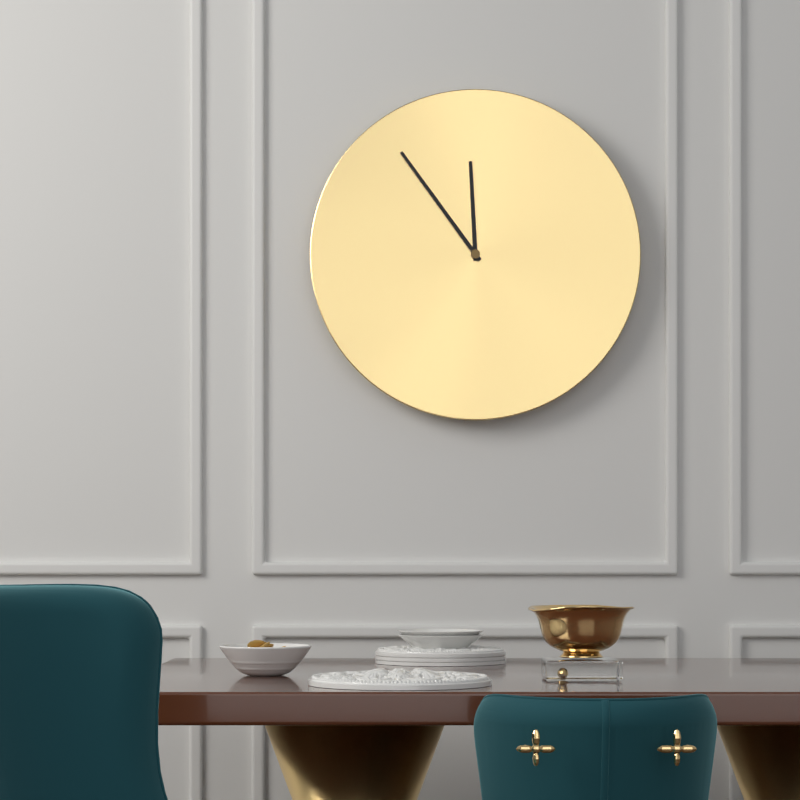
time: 11:54
